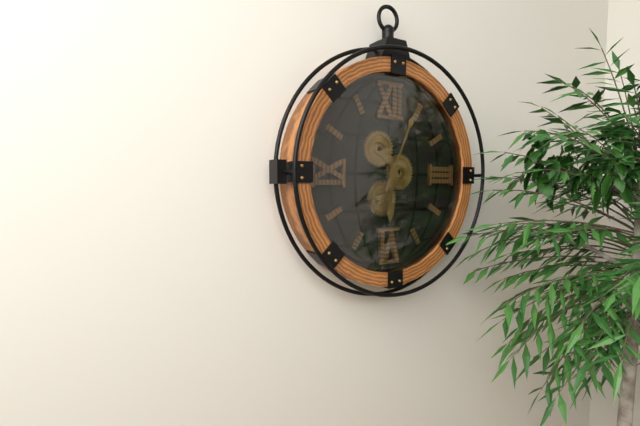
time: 6:04
